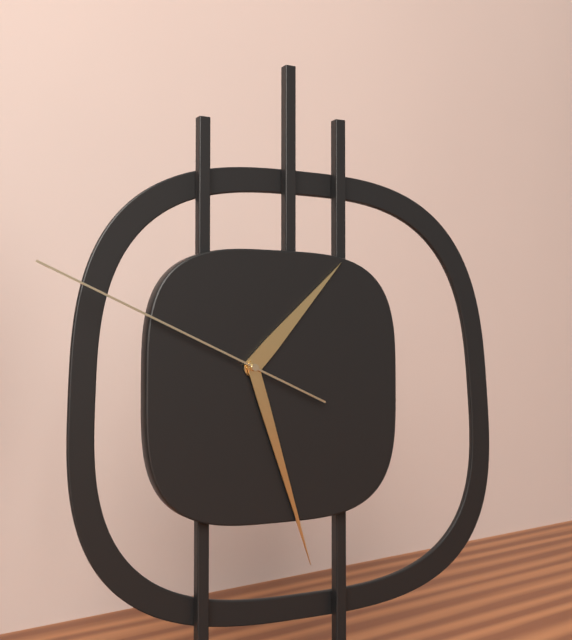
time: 1:27:49
